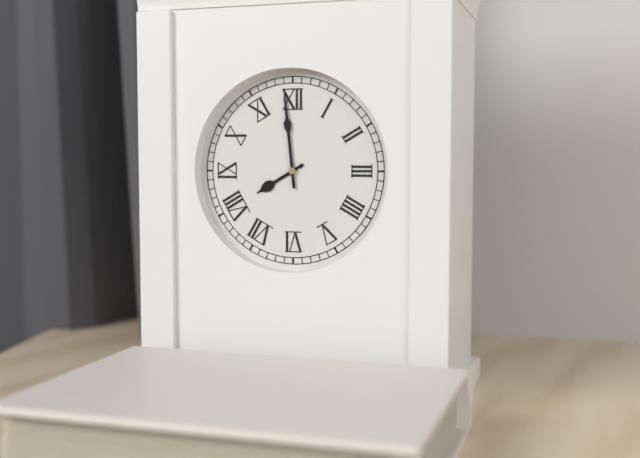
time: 7:59
